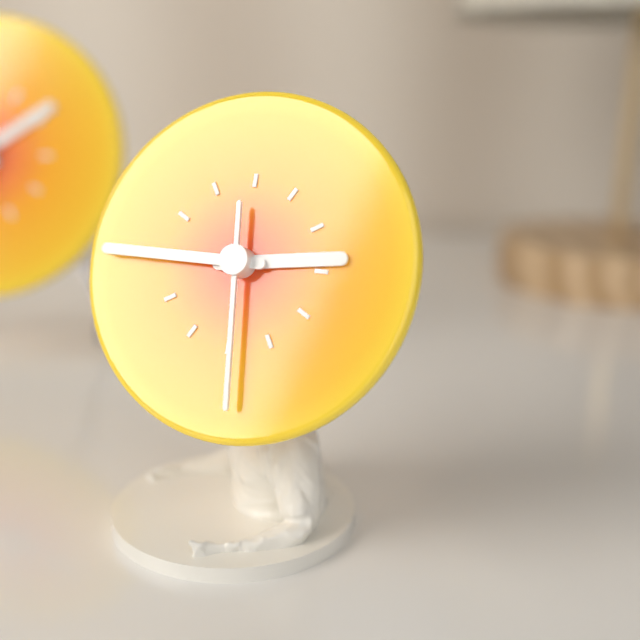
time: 2:45:29
